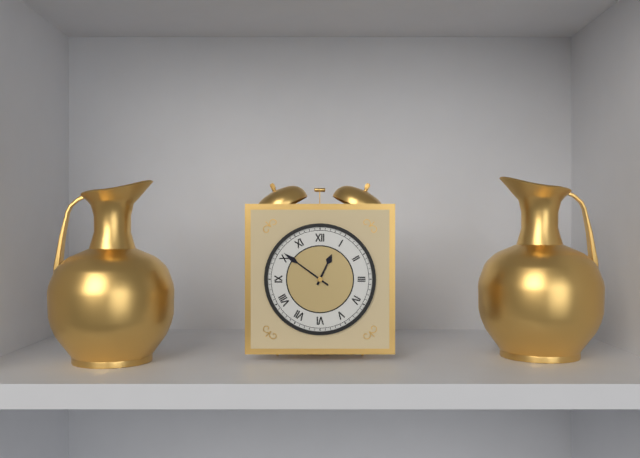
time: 12:51
